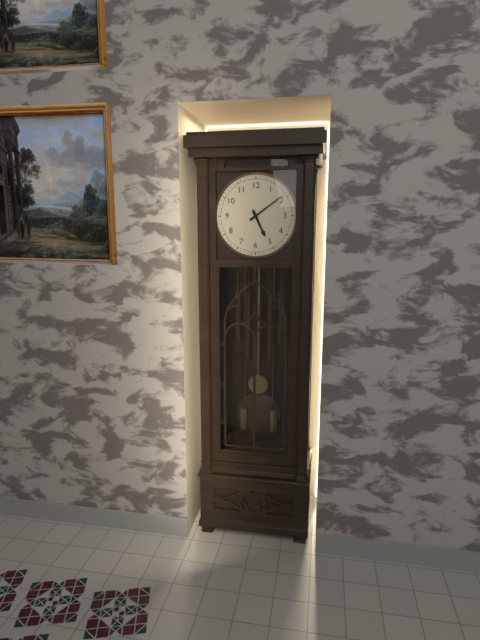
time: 5:09
